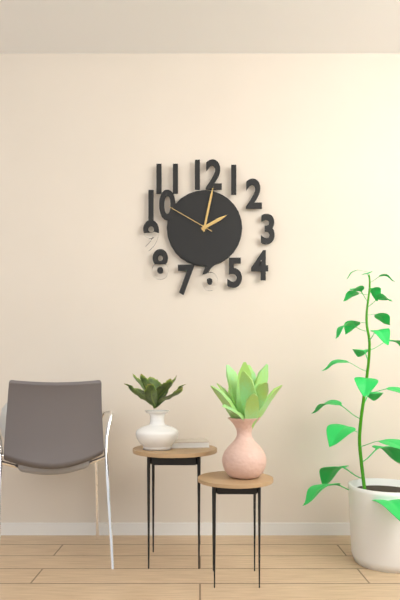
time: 2:02:50
